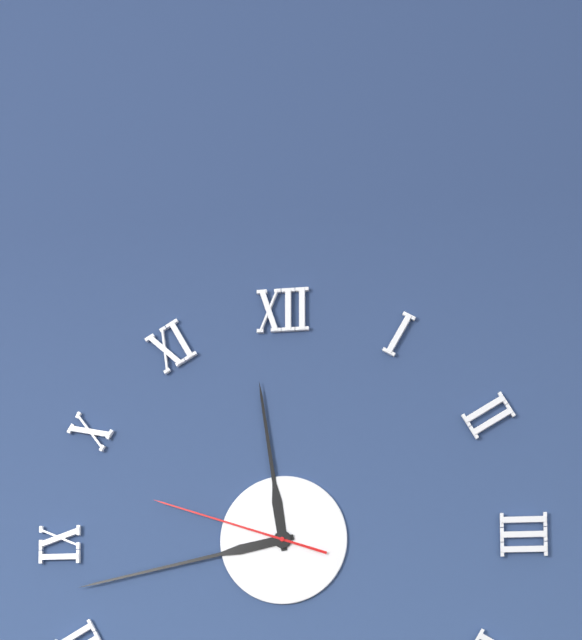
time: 11:43:48
